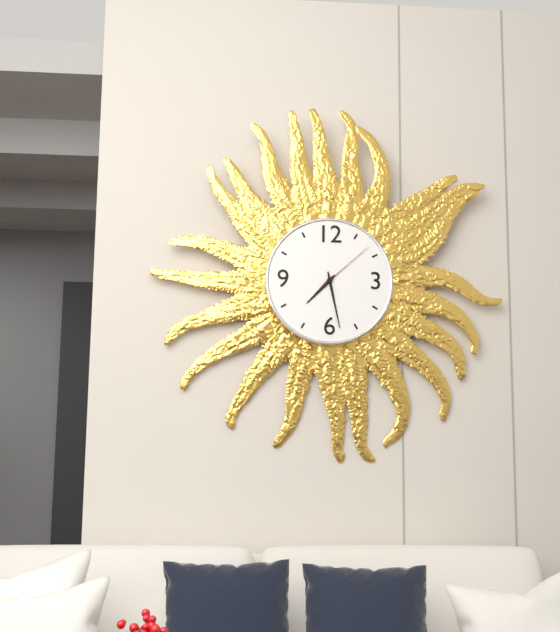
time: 7:28:08
